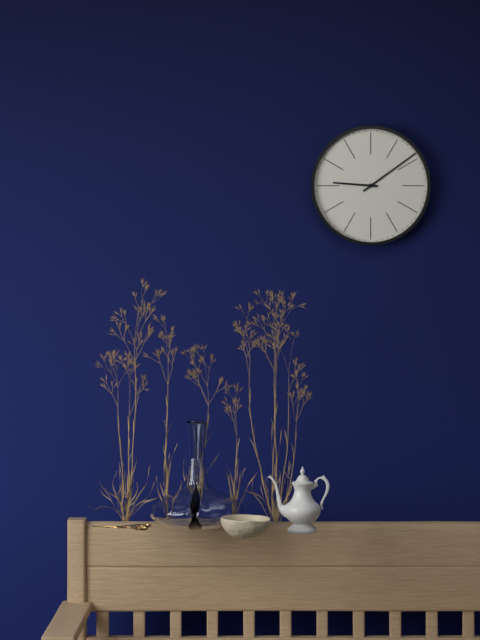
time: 9:09
